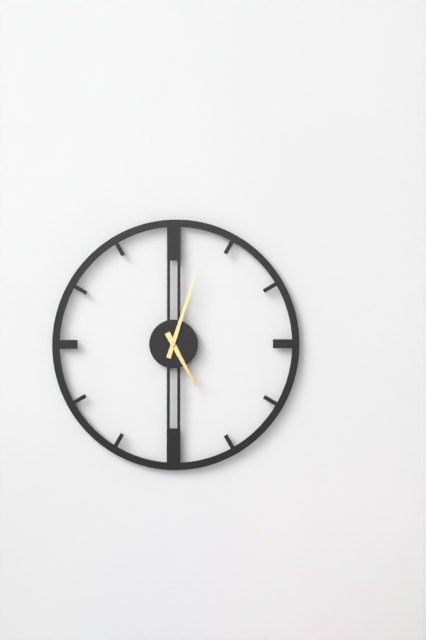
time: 5:03
